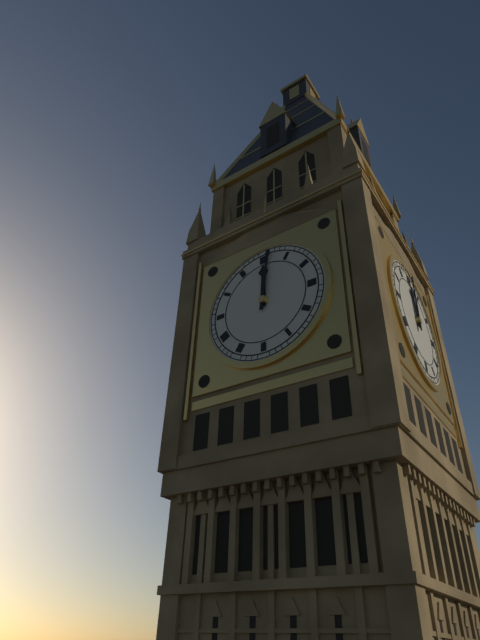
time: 12:01
